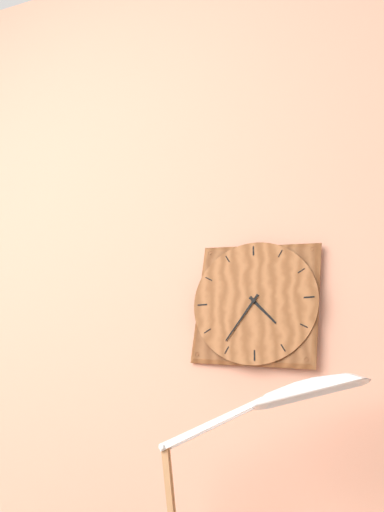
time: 4:36
